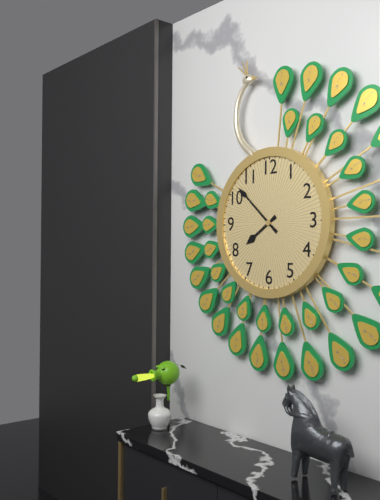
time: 7:52
